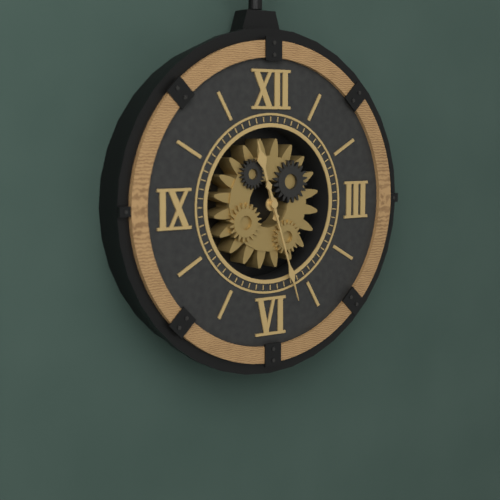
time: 11:27
